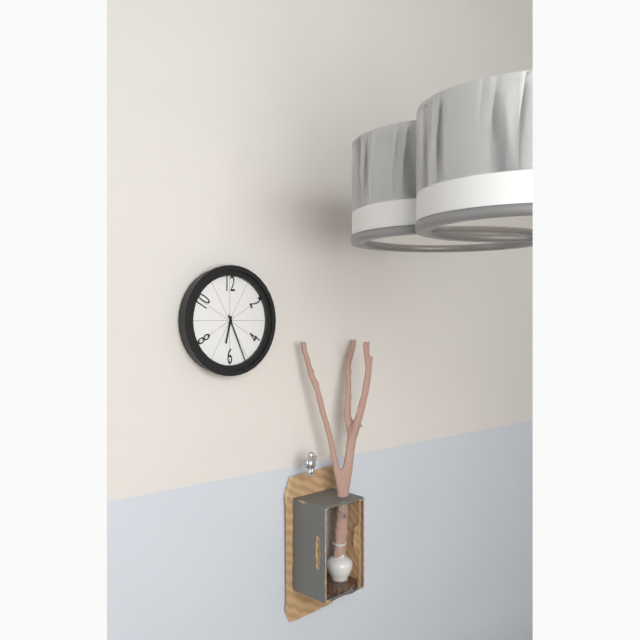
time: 6:26
